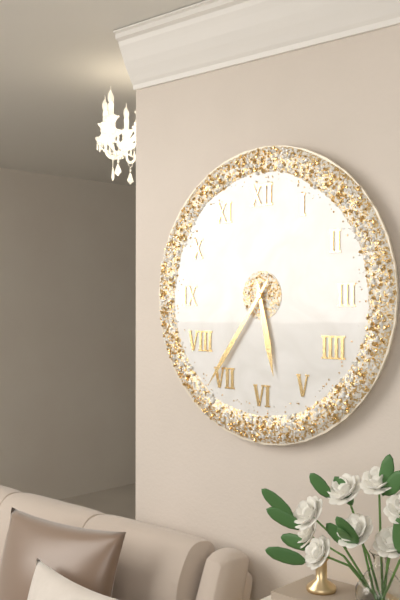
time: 5:36
